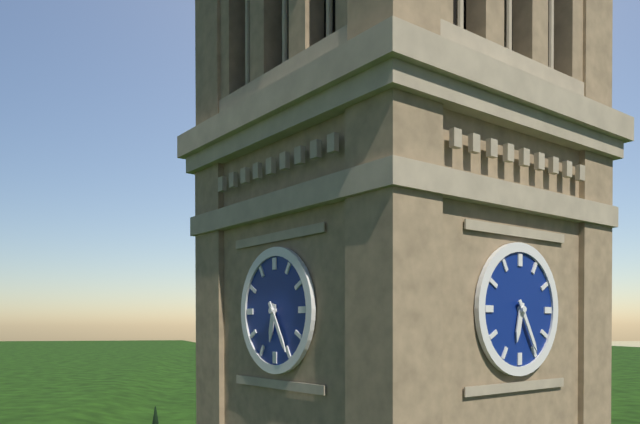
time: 6:25
